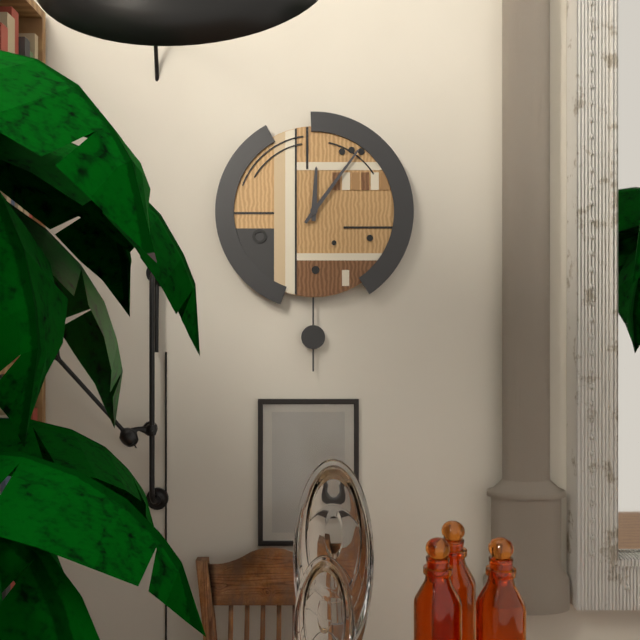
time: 12:06
